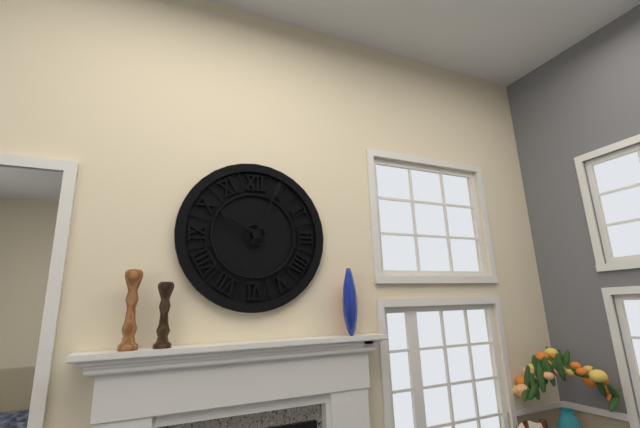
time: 10:04
